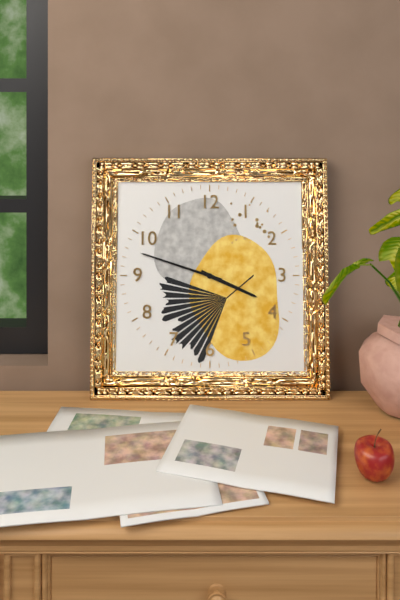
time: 3:48
